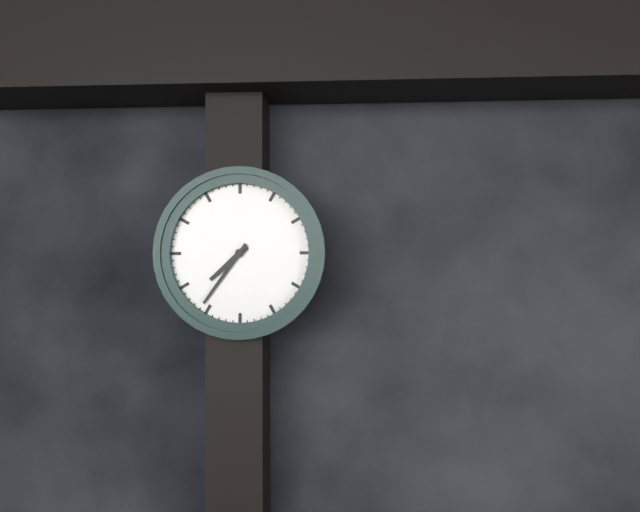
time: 7:36
